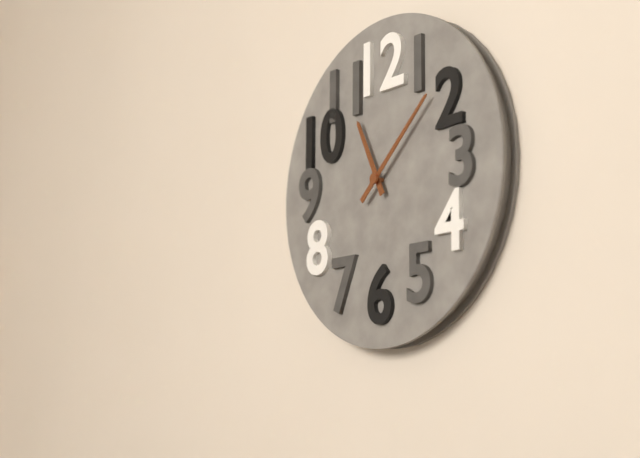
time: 11:08
